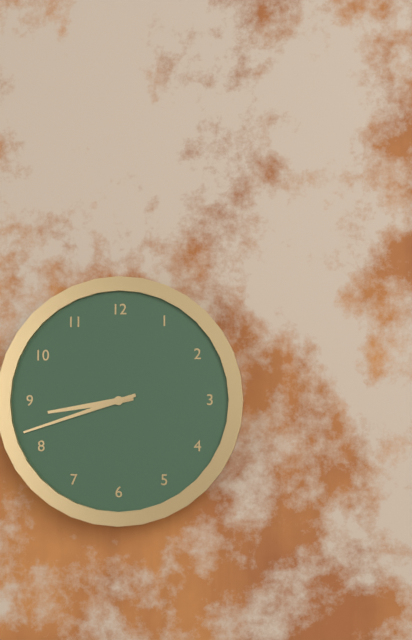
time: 8:42
